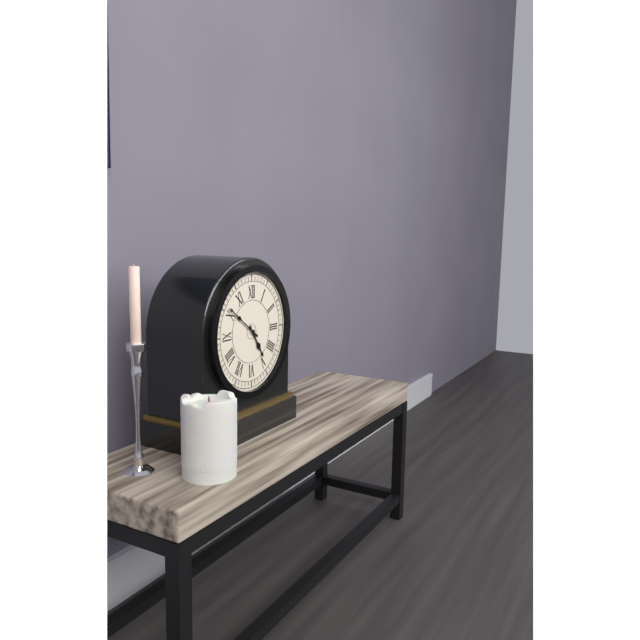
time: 4:51
